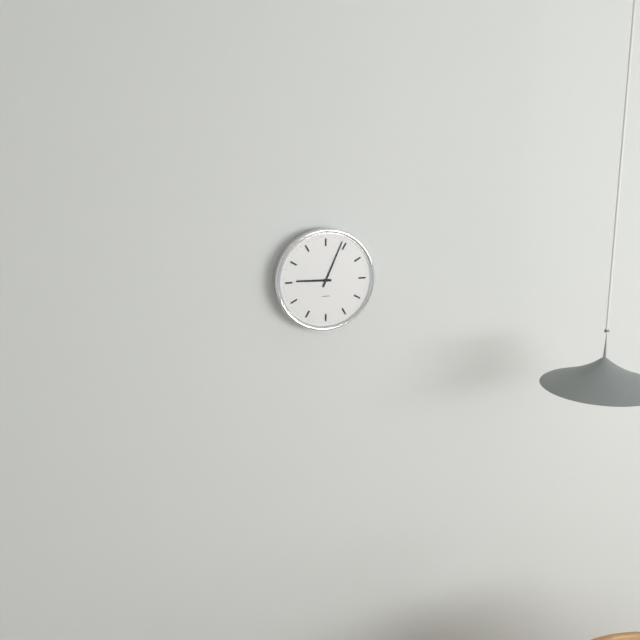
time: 9:04
